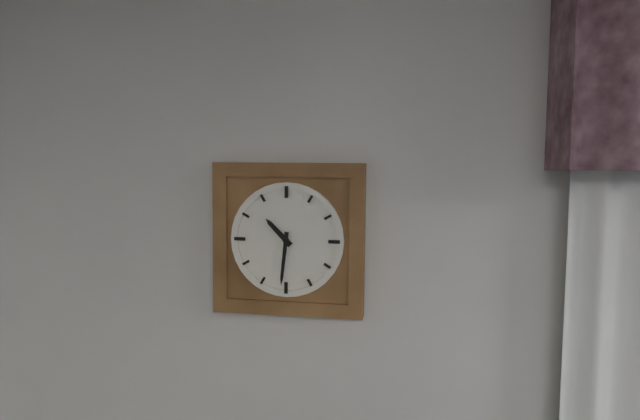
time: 10:31
